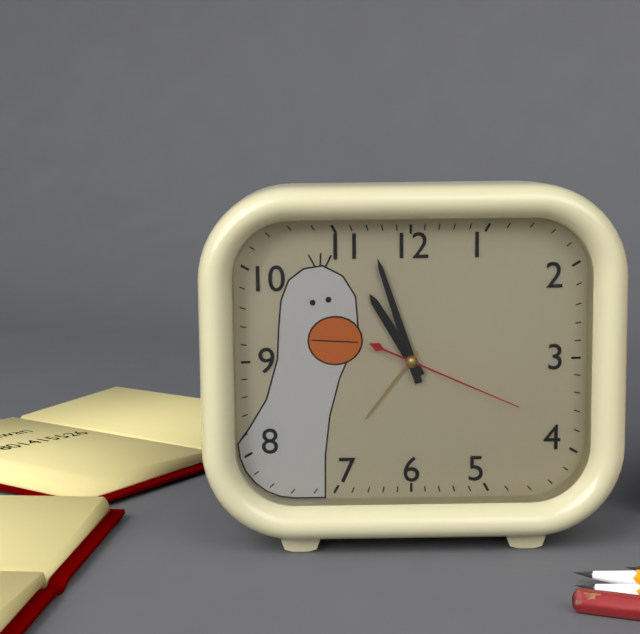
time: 10:57:19
